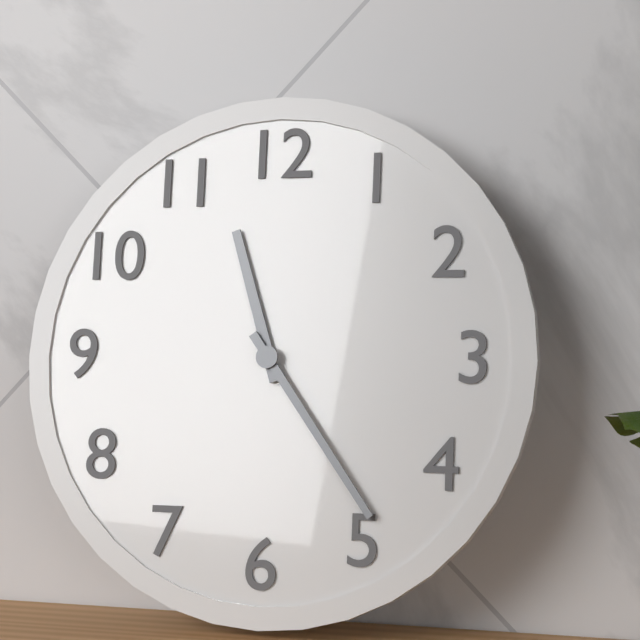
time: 11:24
